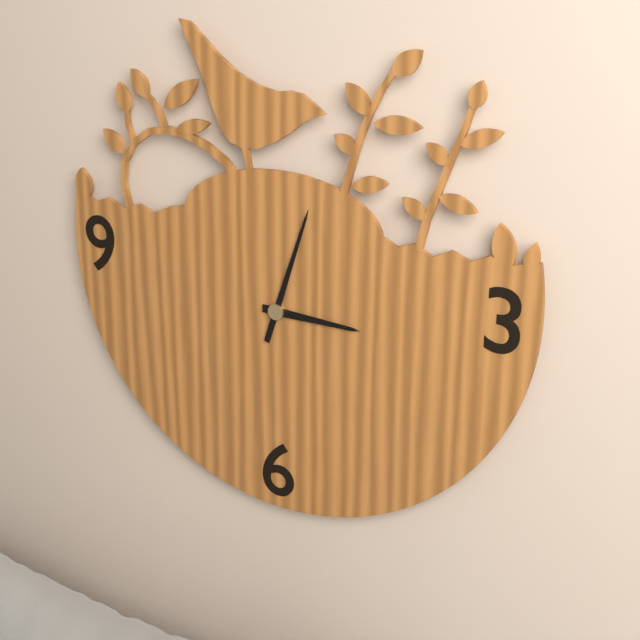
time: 3:03
